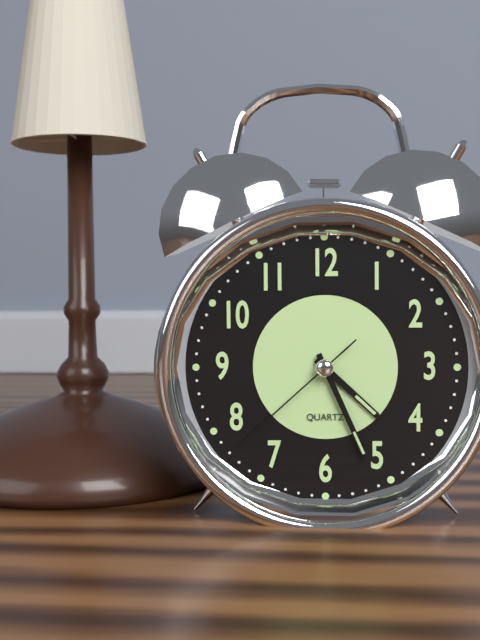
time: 4:26:38
